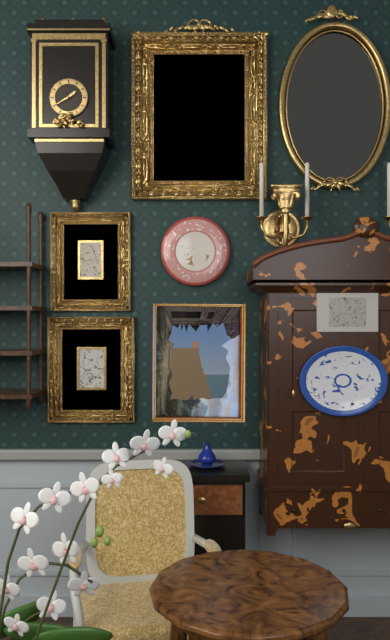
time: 1:40
